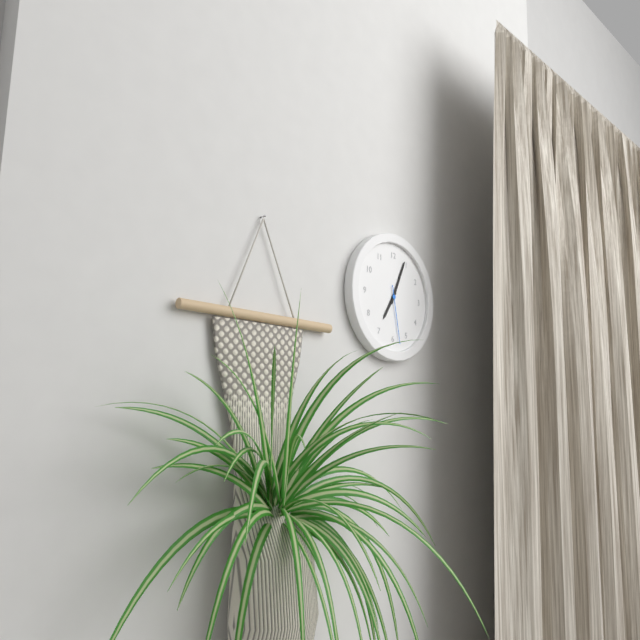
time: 7:04:28
